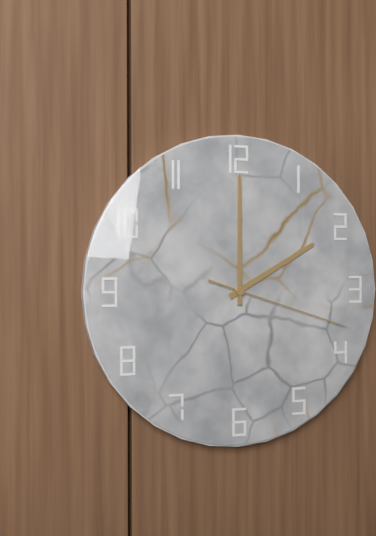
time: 2:00:18
